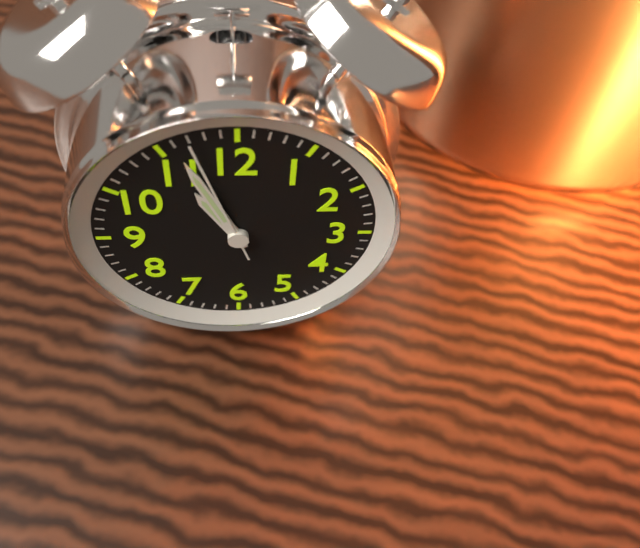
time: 10:56:57
